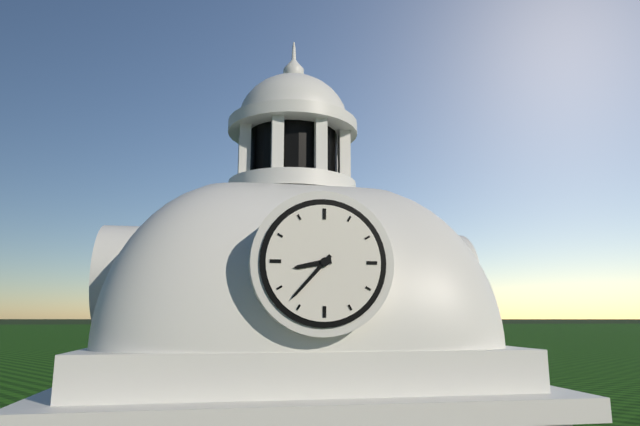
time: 8:37
